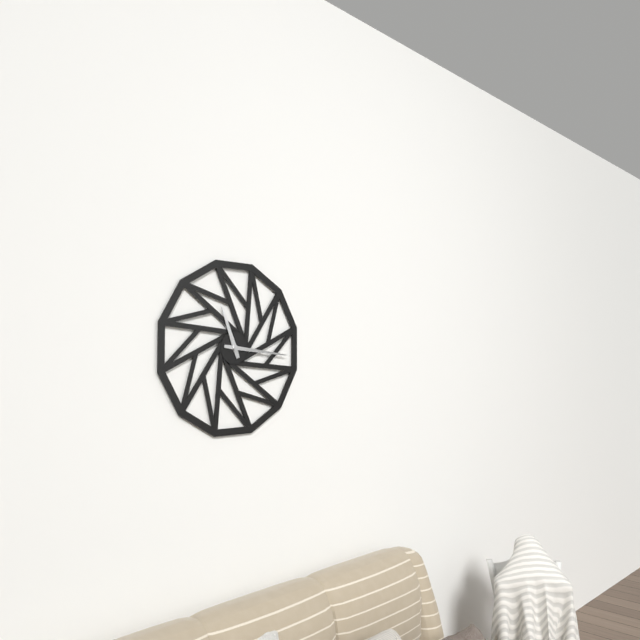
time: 11:16
